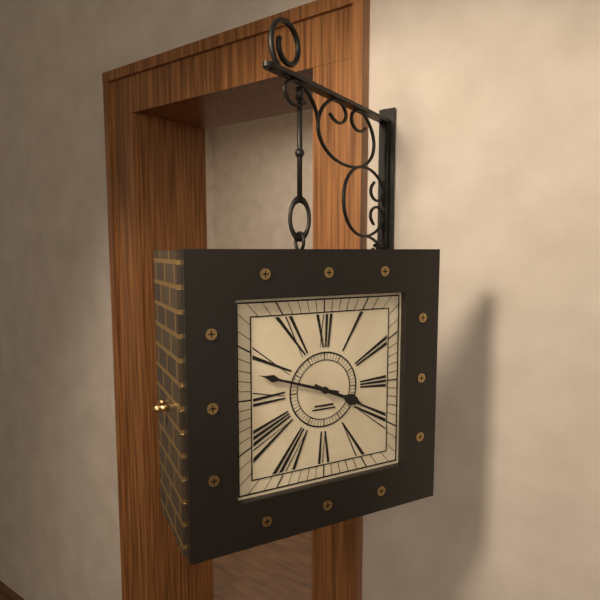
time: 3:48
